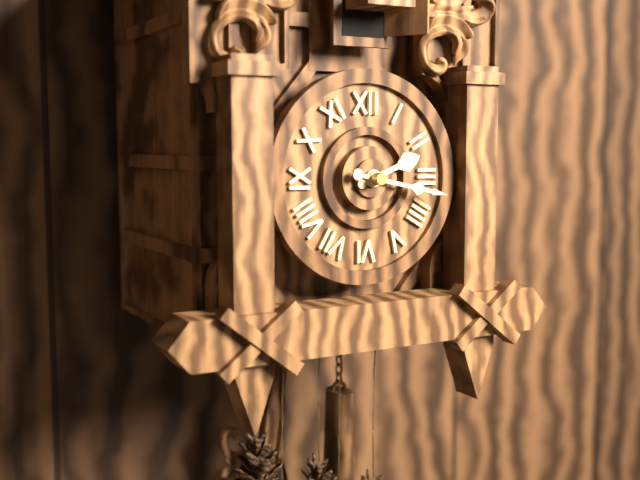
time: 2:17
